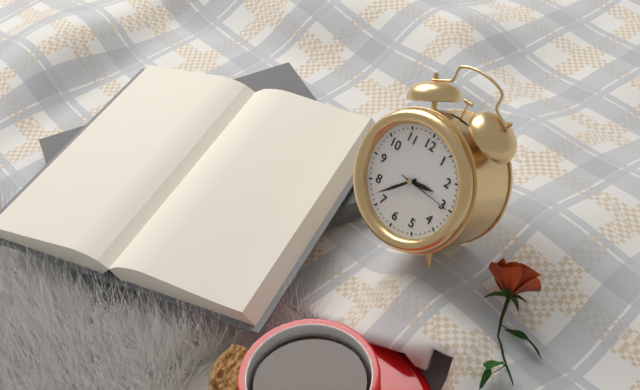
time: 2:37:15
